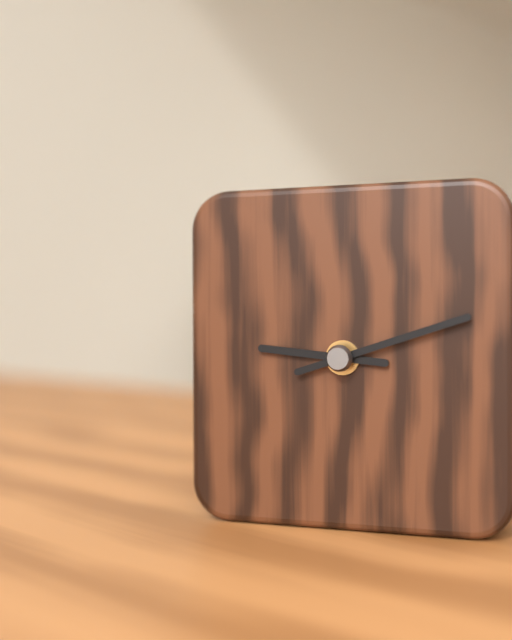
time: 9:12
